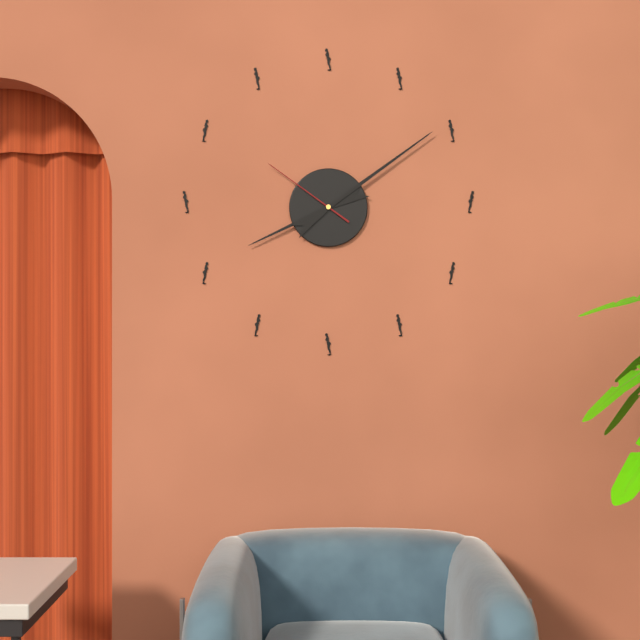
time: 8:09:51
